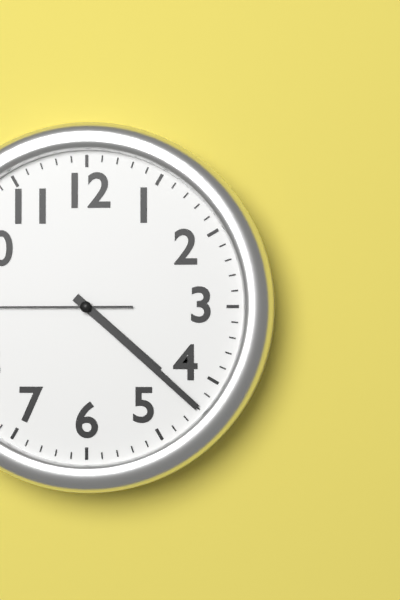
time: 4:22
